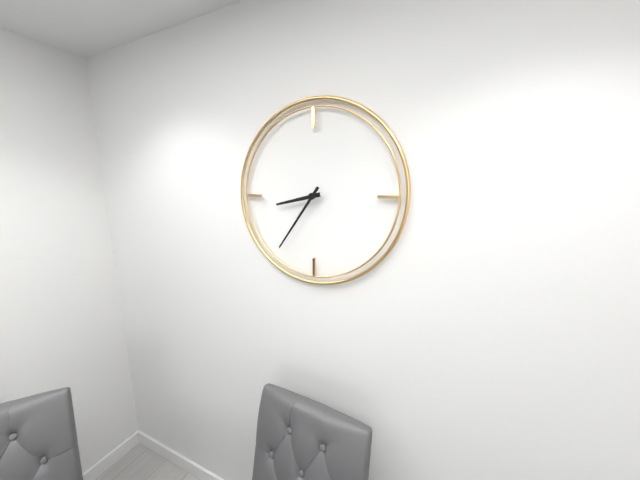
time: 8:36
